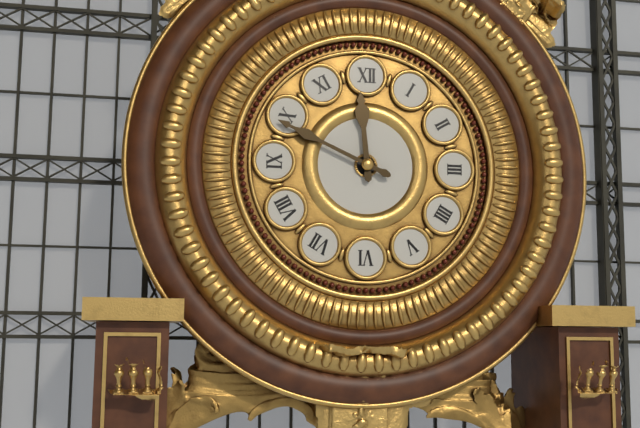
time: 11:49
